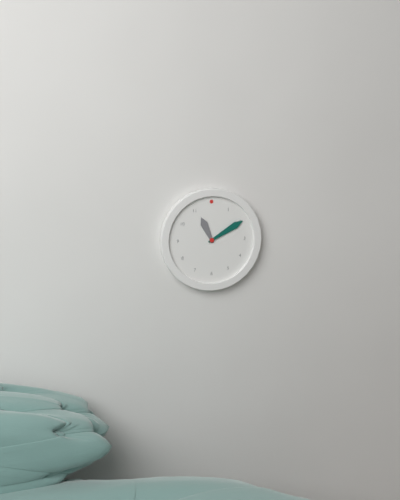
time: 11:10
